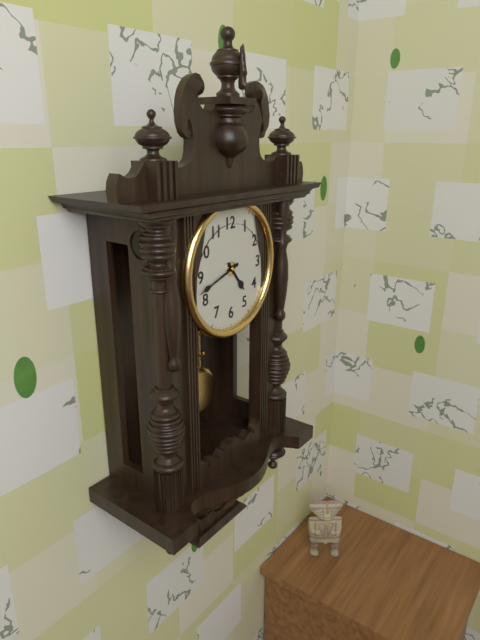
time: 4:42
